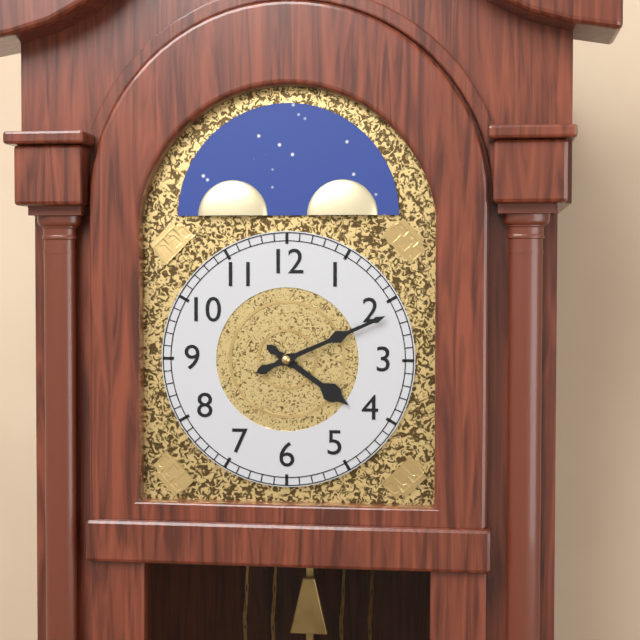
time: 4:11
